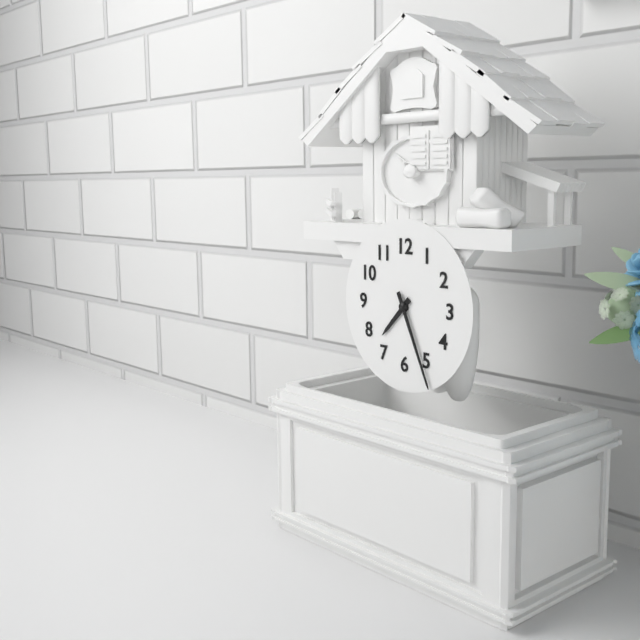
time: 7:26
